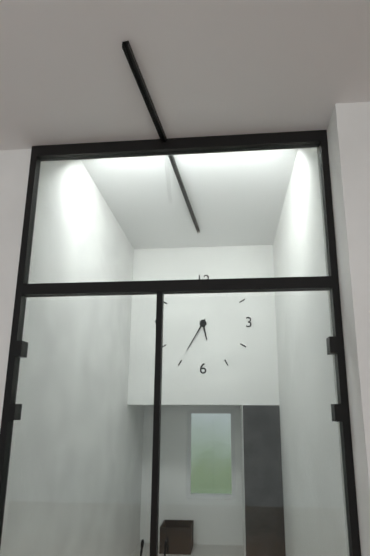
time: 5:35
